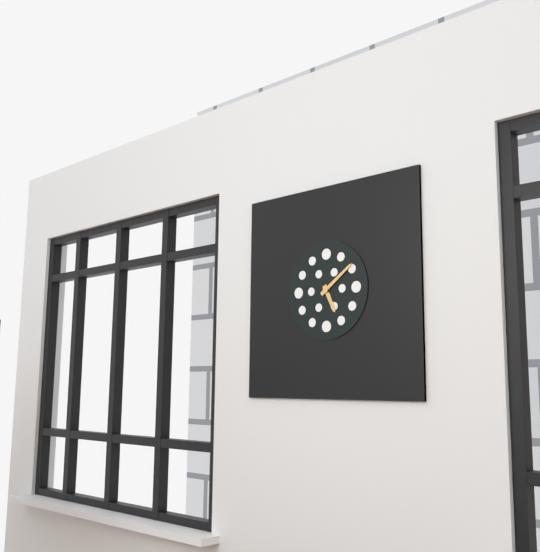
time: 5:09
